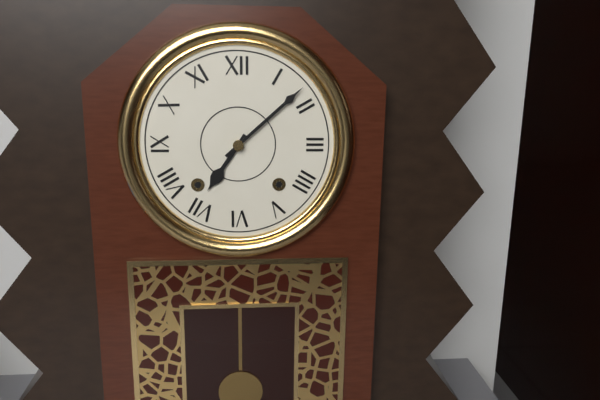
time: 7:08
